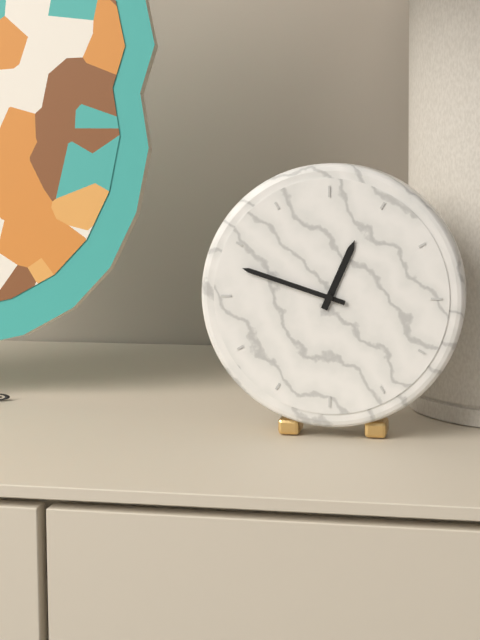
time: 12:48
